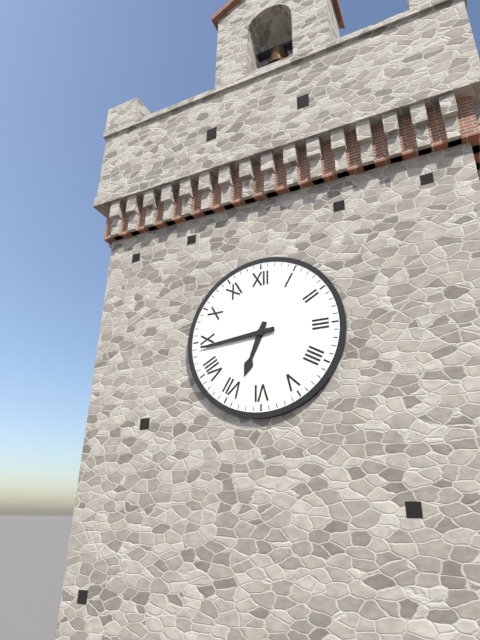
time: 6:44
